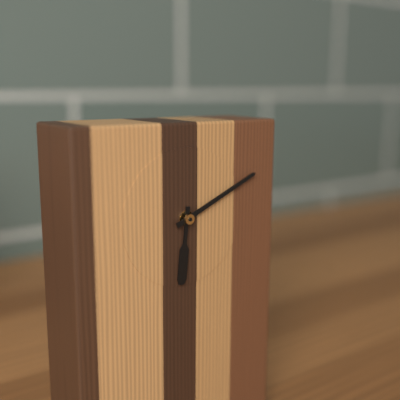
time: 6:11
